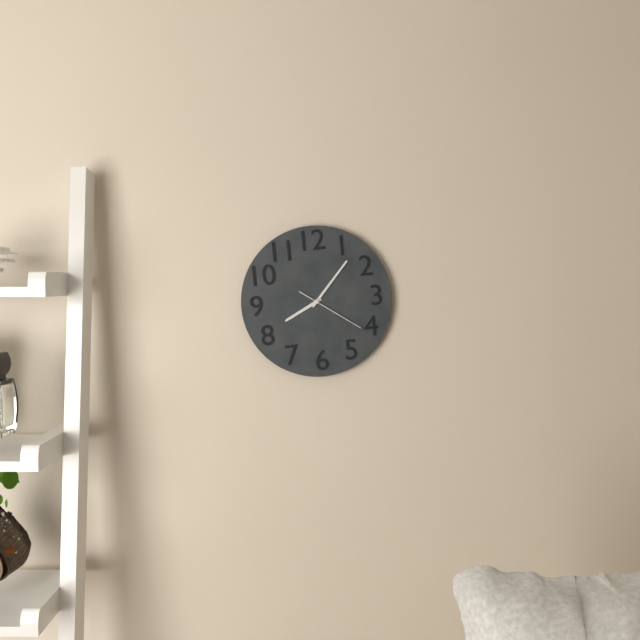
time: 8:07:21
